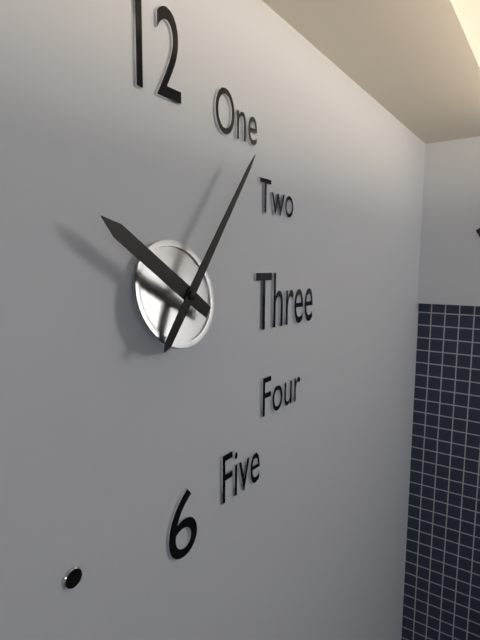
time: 10:06
